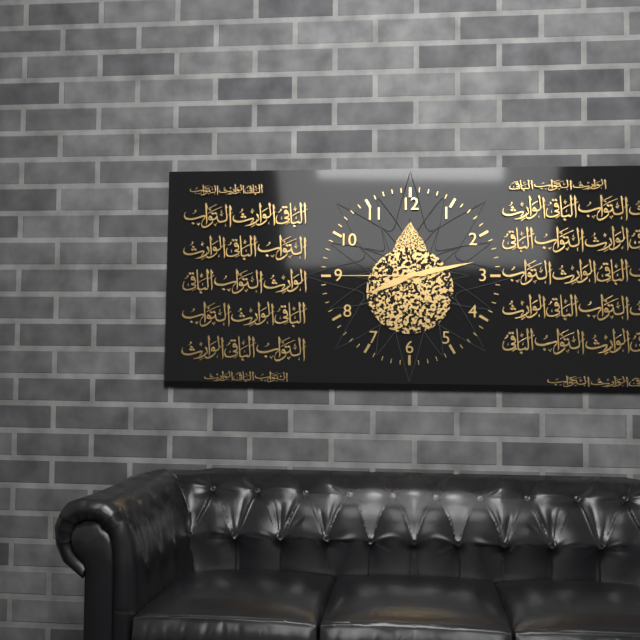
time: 8:13:45
